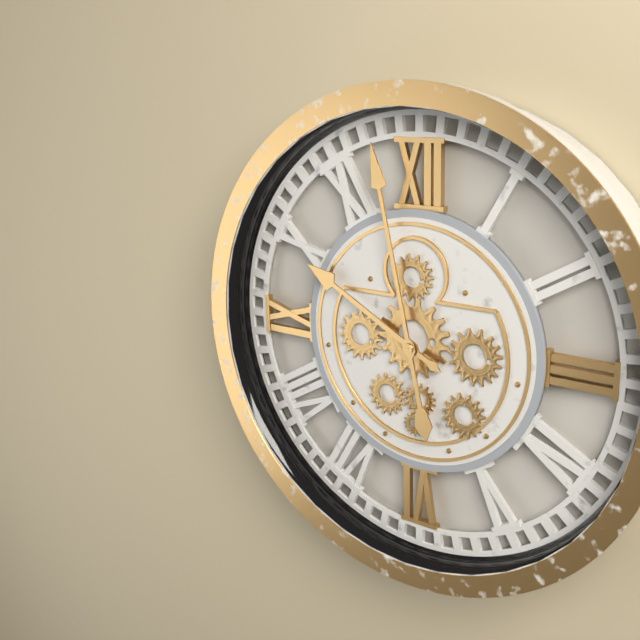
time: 9:58
